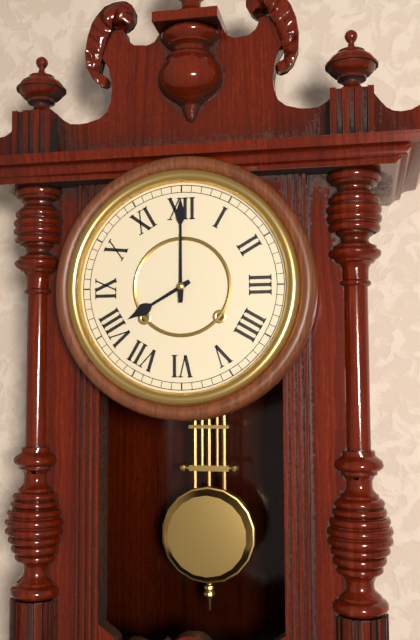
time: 8:00
